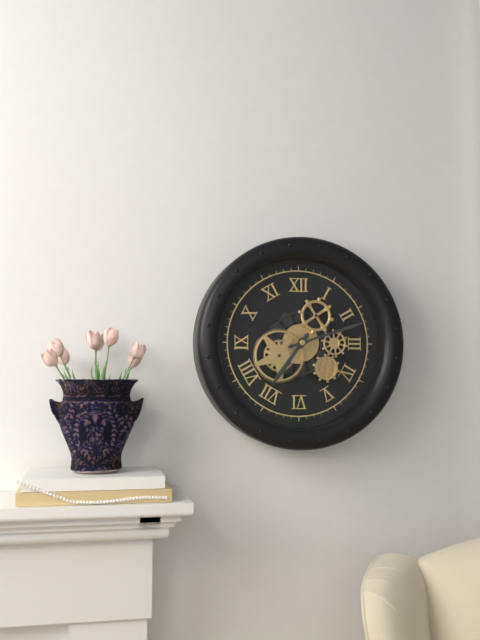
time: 7:12
